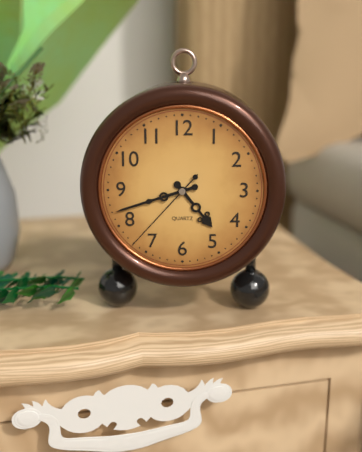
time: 4:42:37
